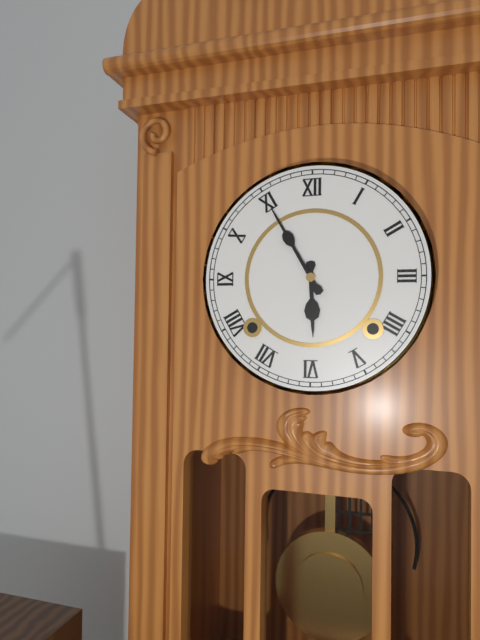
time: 5:55
